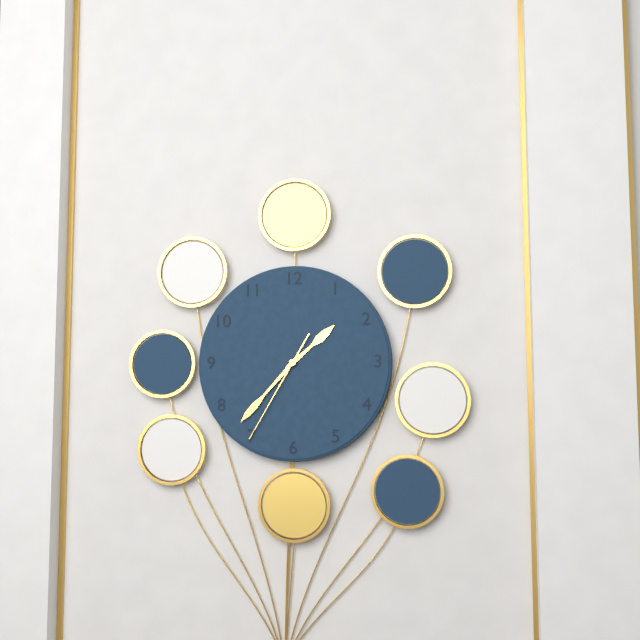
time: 1:37:35
